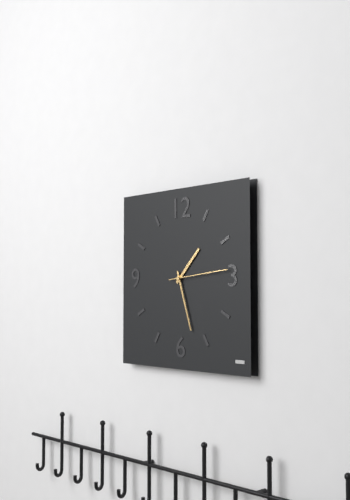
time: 1:27:14
